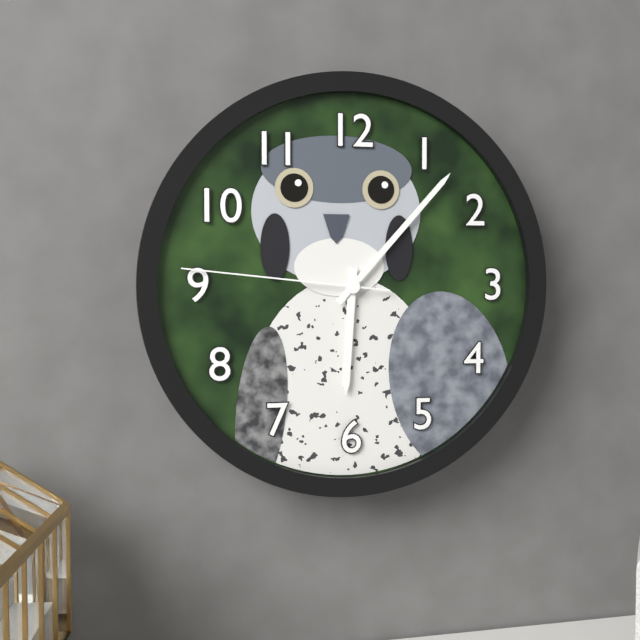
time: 6:07:46
